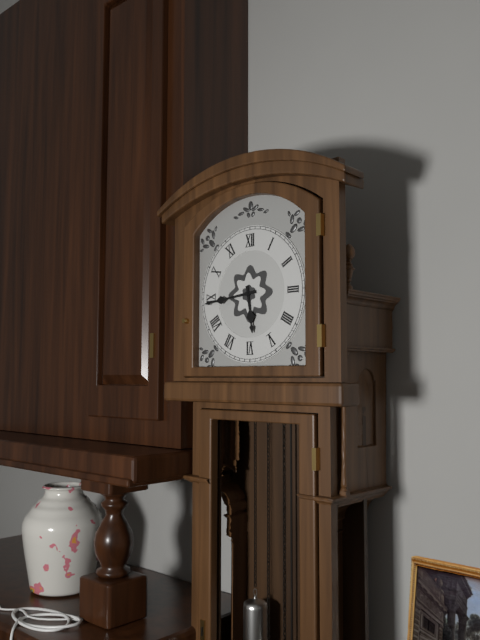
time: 5:44
